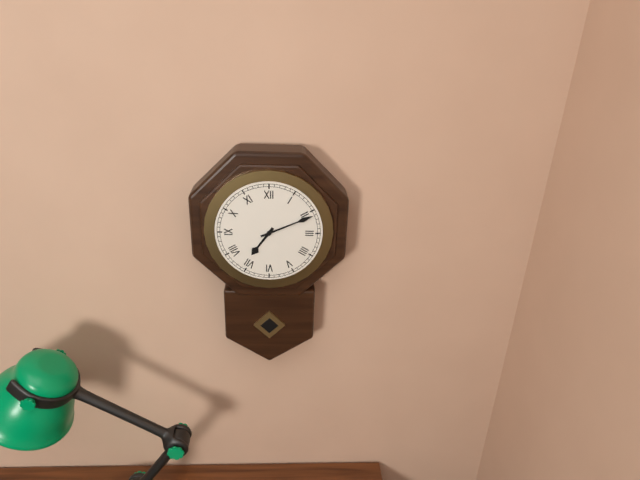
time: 7:11
